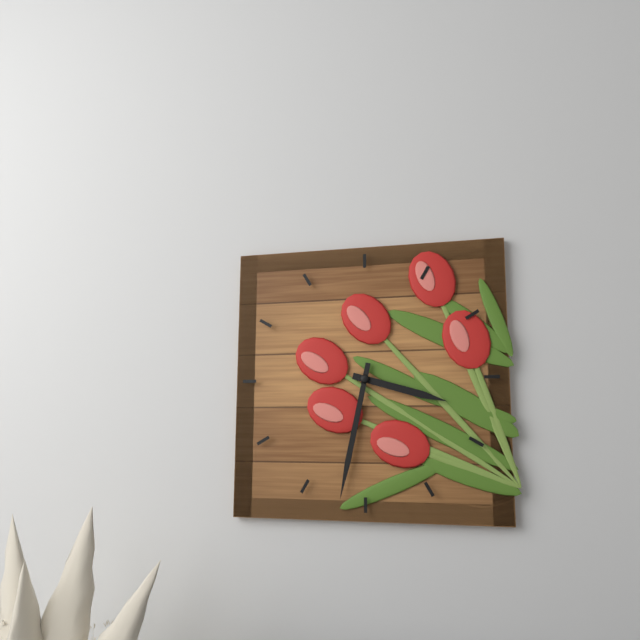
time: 3:32
